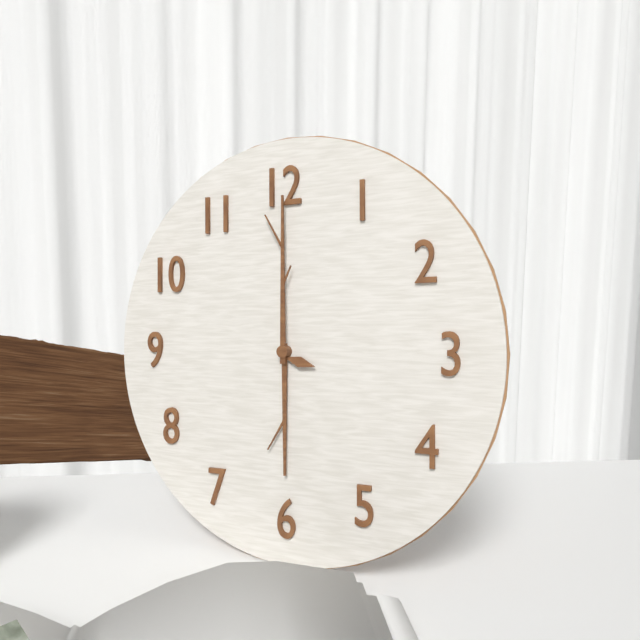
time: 6:00
